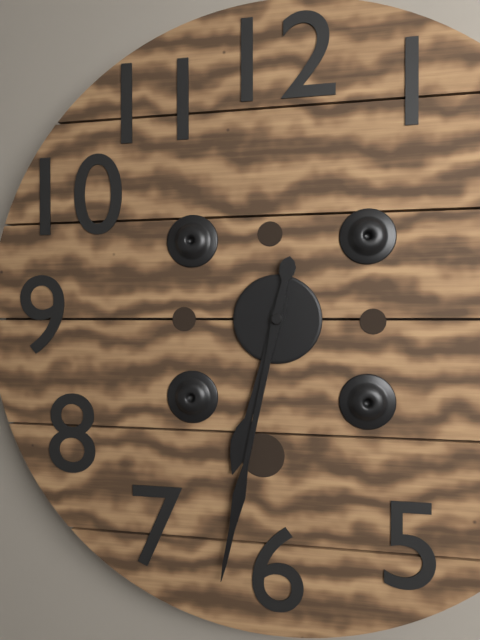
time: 6:32
